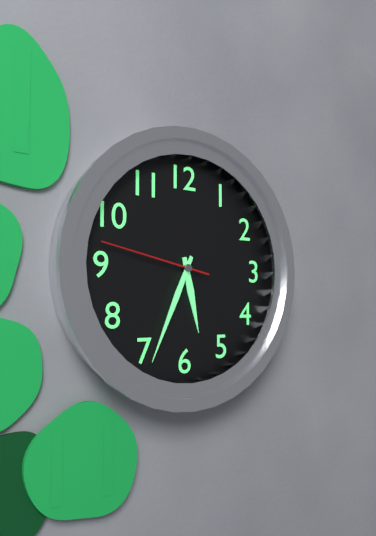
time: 5:34:47
